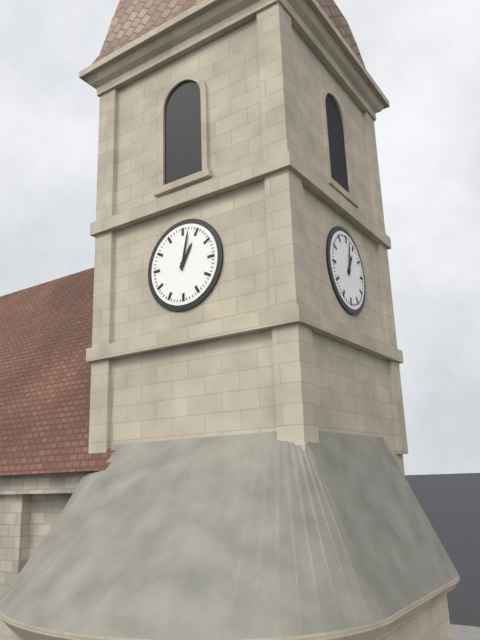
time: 1:02
